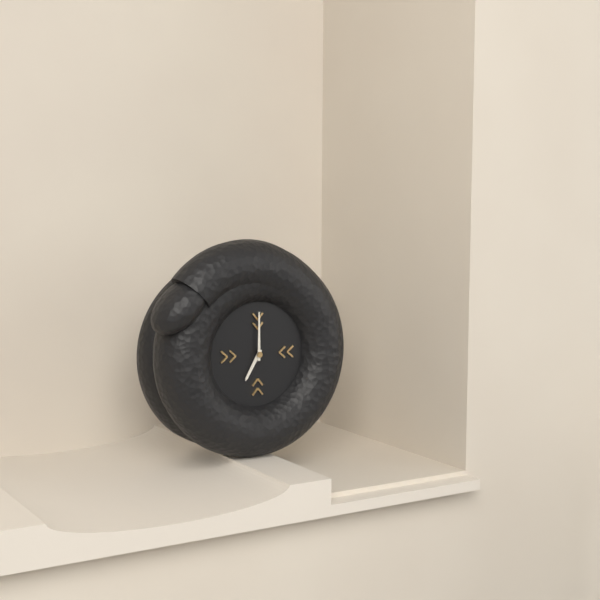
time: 7:00
